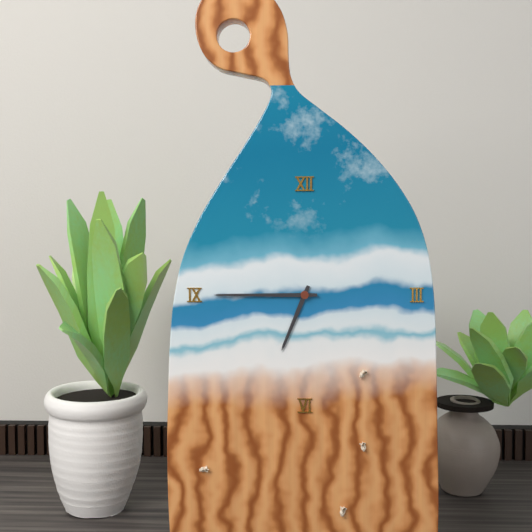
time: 6:45
